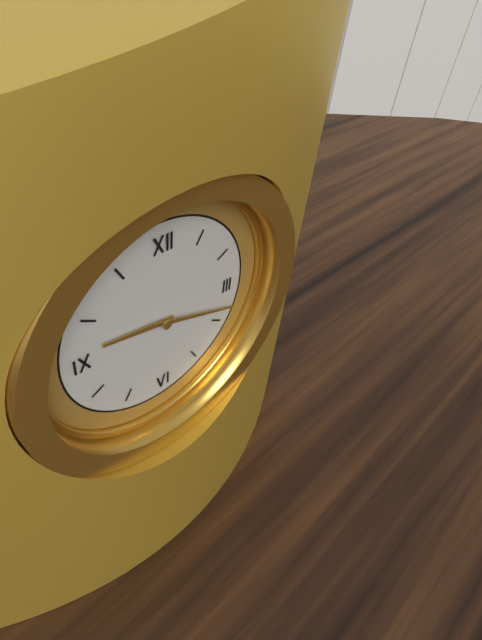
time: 9:18
